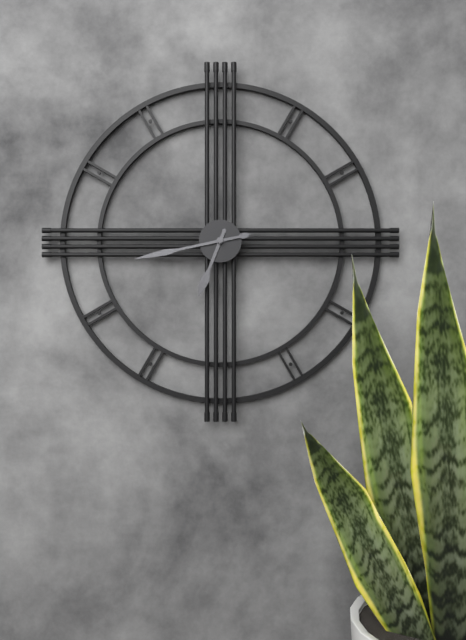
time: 6:43
